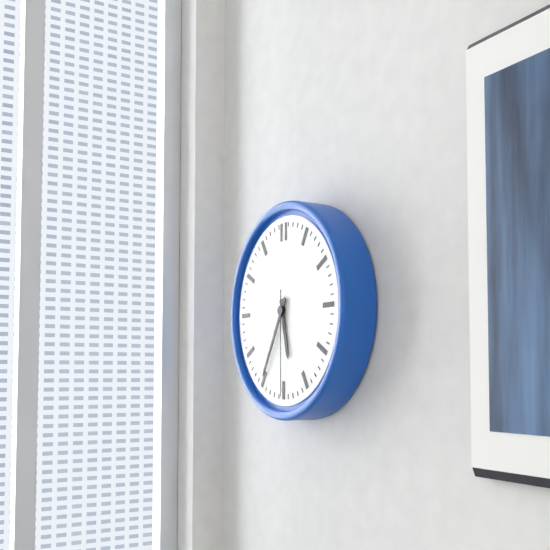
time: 5:35:30
